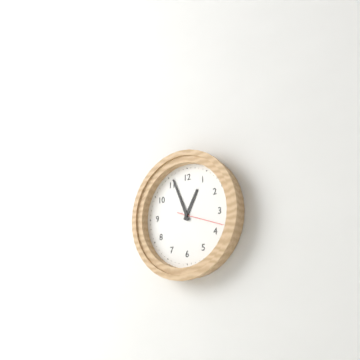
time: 12:56
